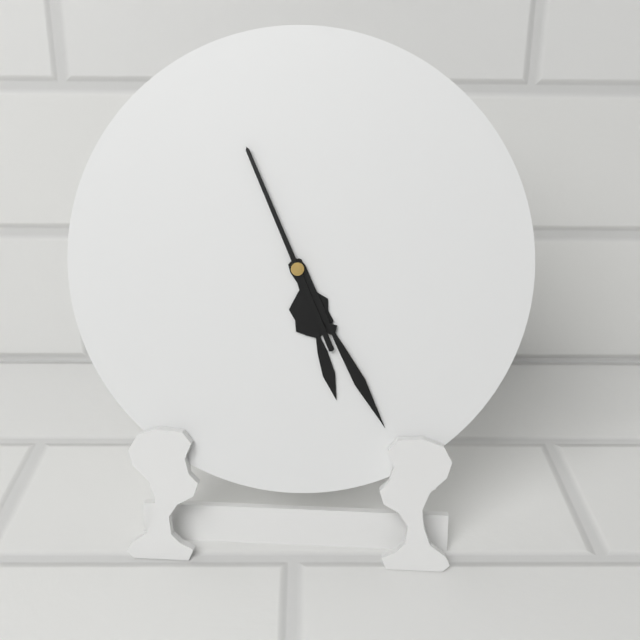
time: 5:25:56
